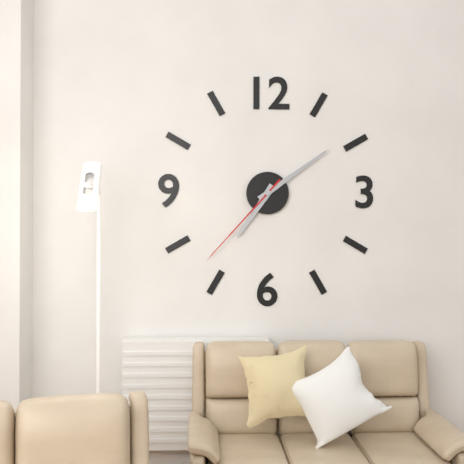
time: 7:09:37
